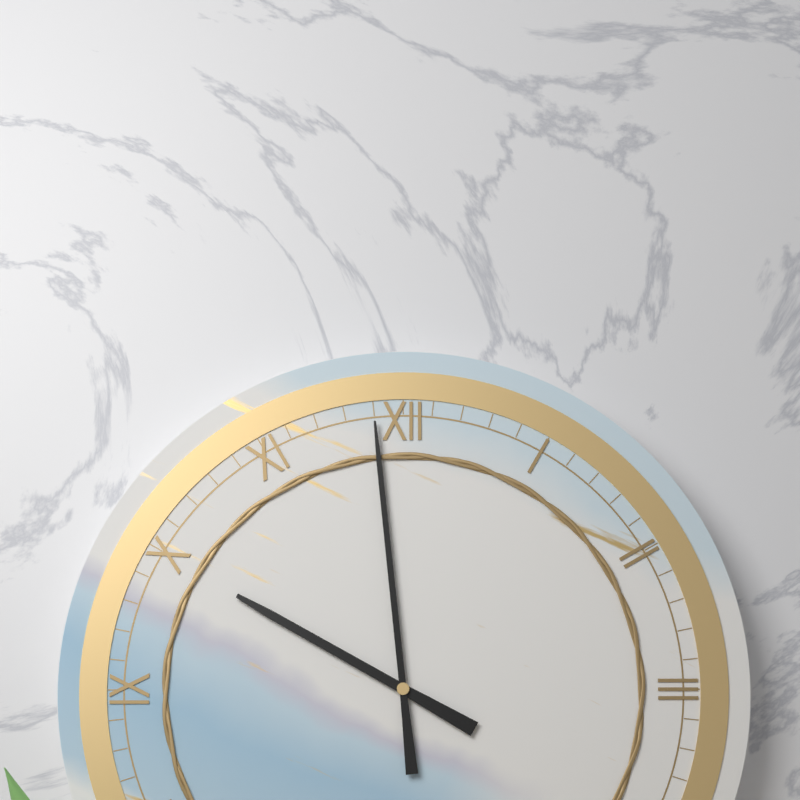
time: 9:59
